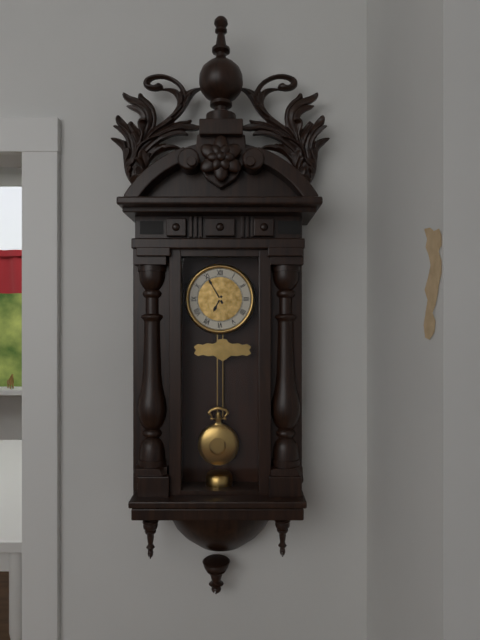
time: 6:55
